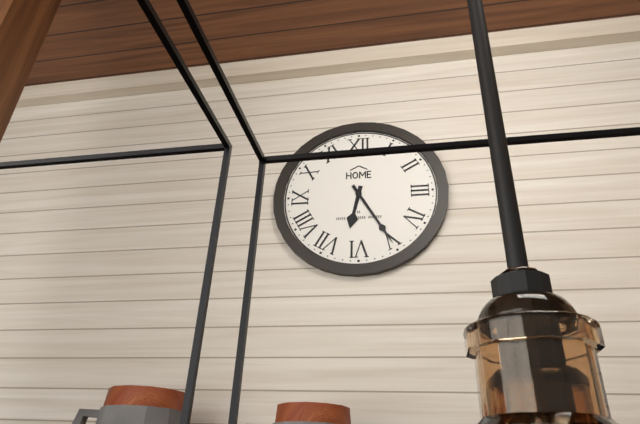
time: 6:25
